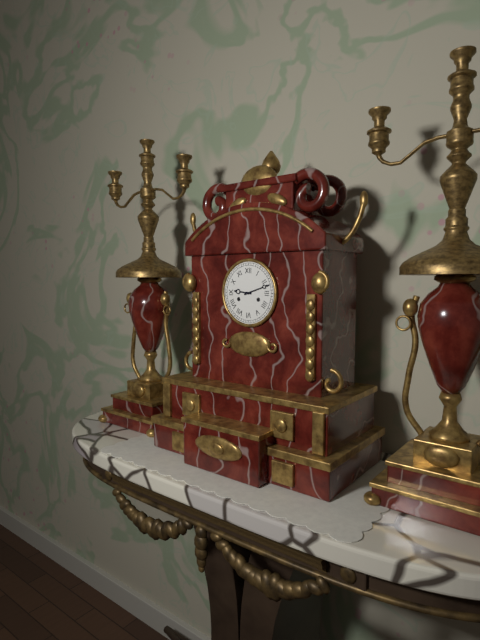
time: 9:12
